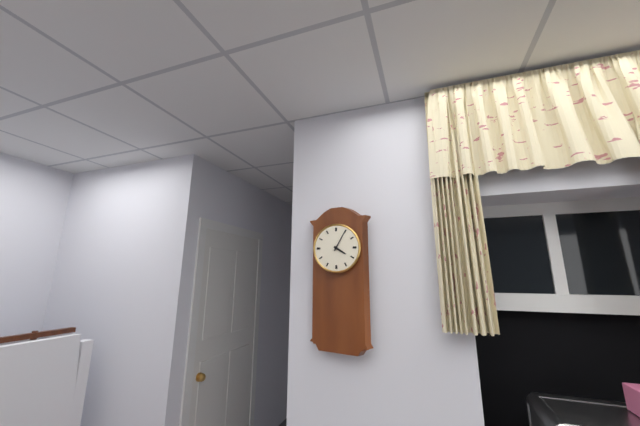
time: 4:05
